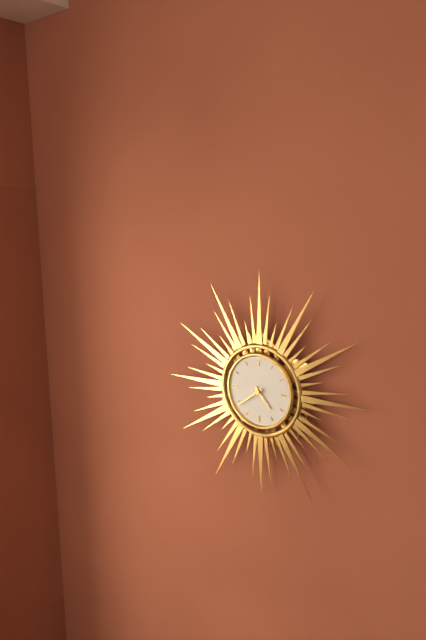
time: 4:39
